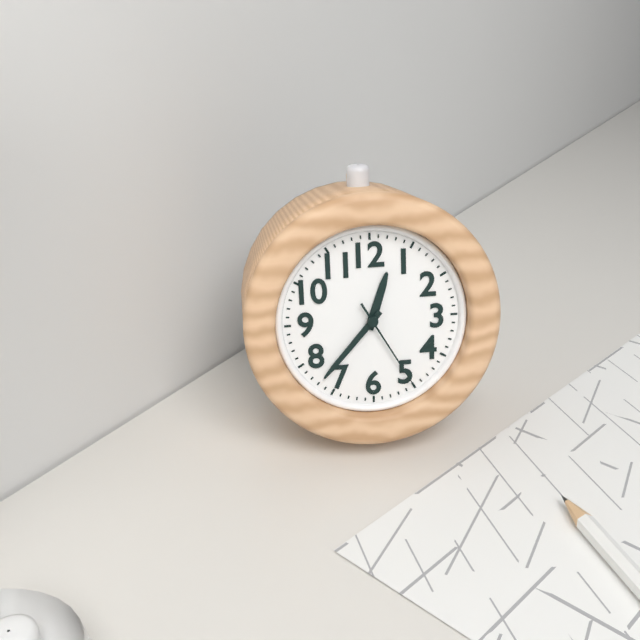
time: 12:37:25
